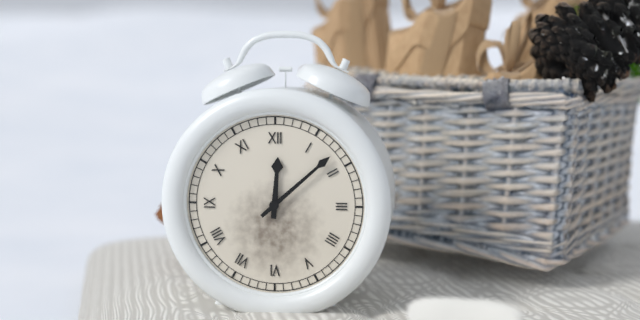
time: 12:08
